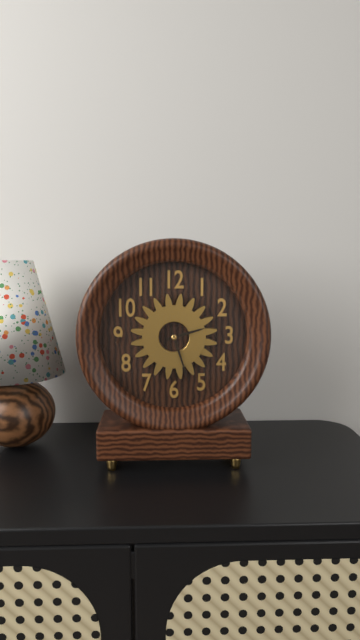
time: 2:27
